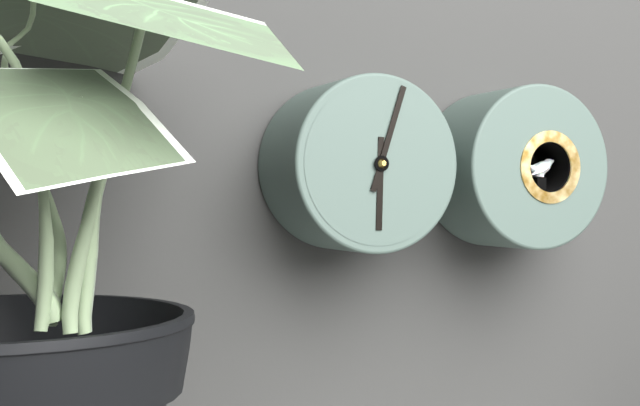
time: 6:03
